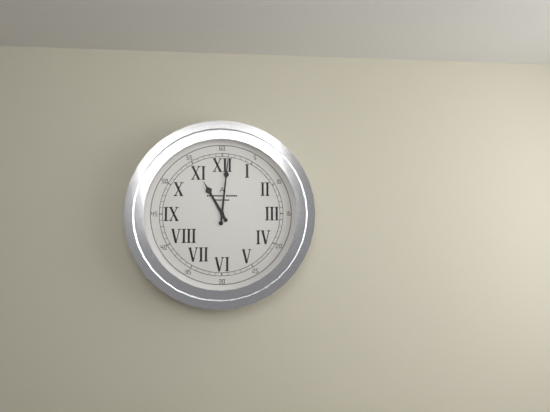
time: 11:01
